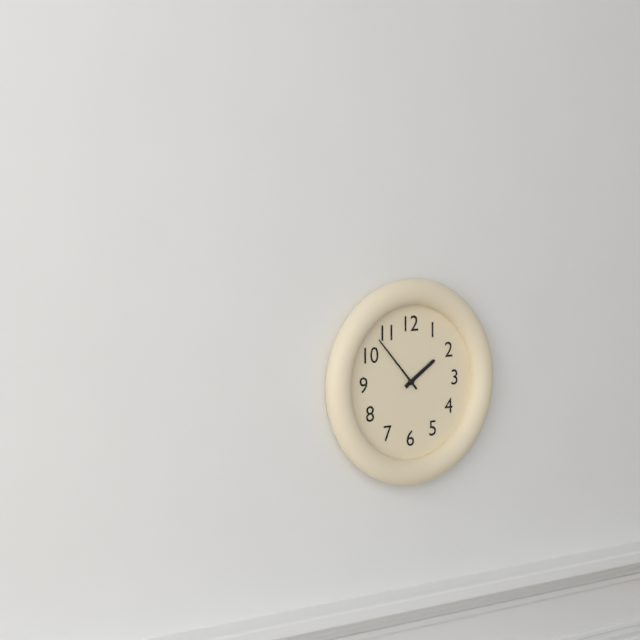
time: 1:53
